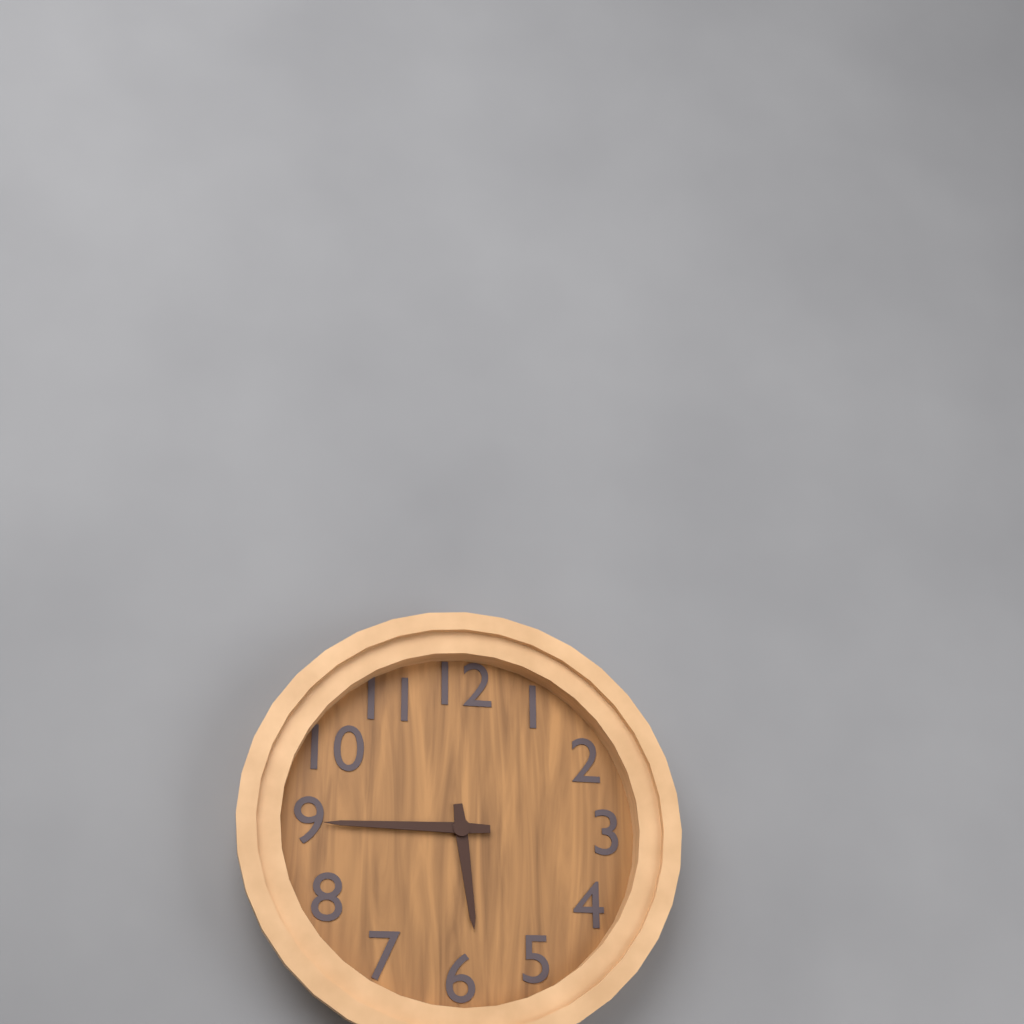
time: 5:45
